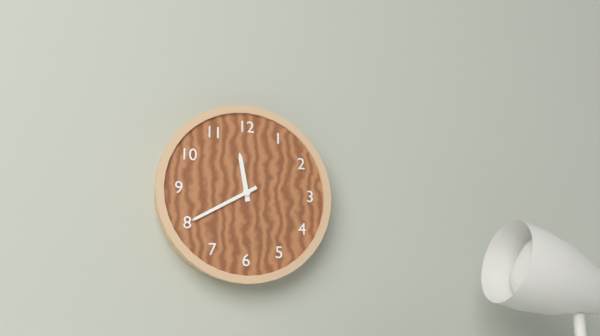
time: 11:40
